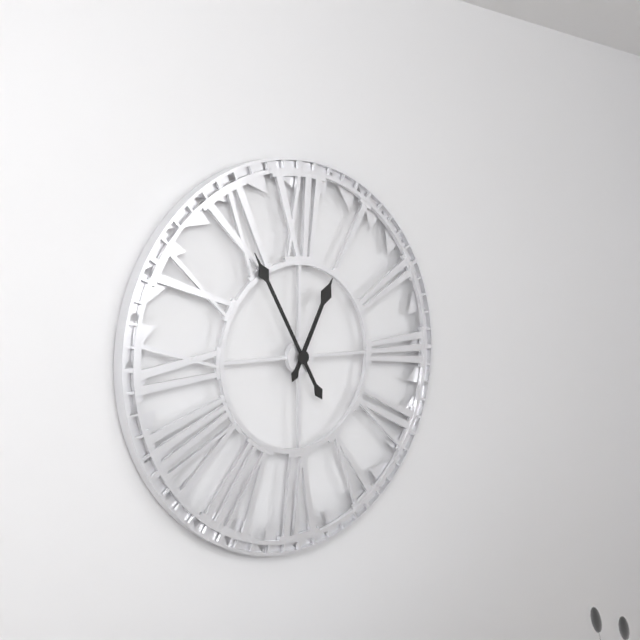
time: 12:55
